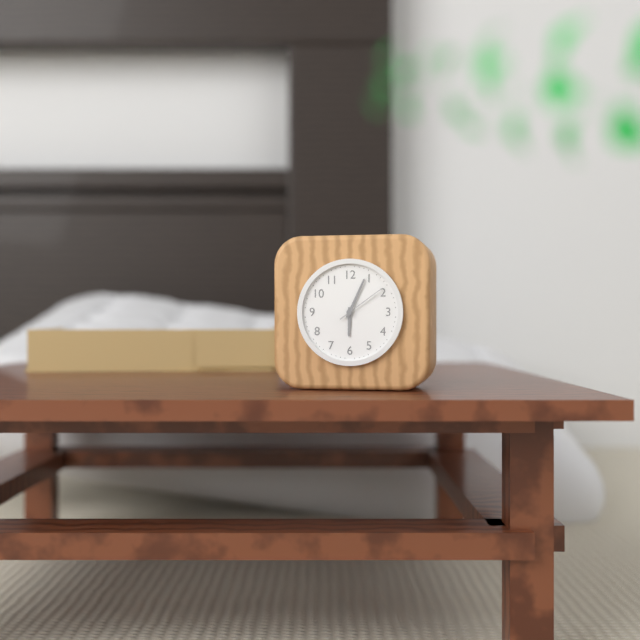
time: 6:04
